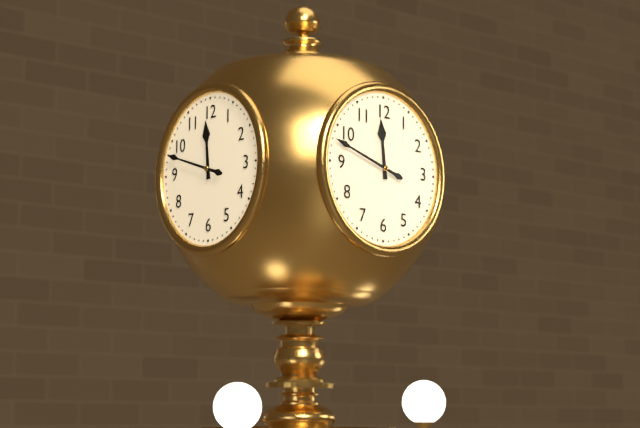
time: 11:48
